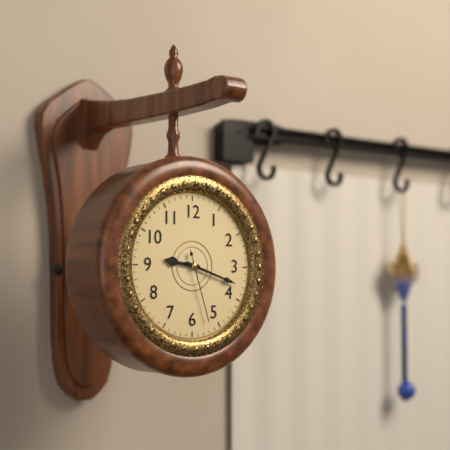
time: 9:18:27
